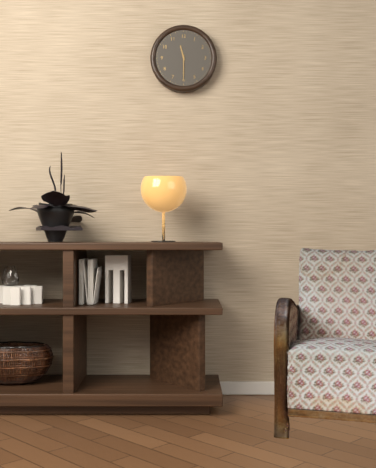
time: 11:30
